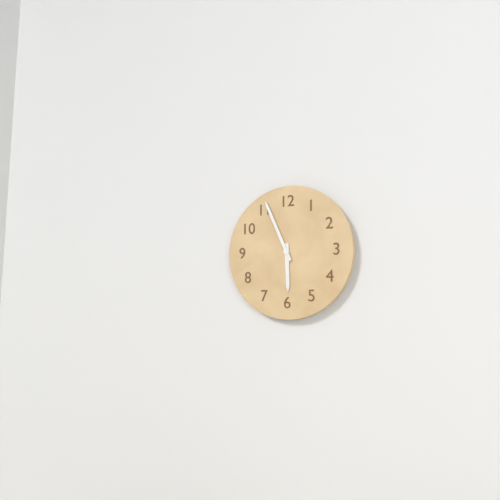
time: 5:56
